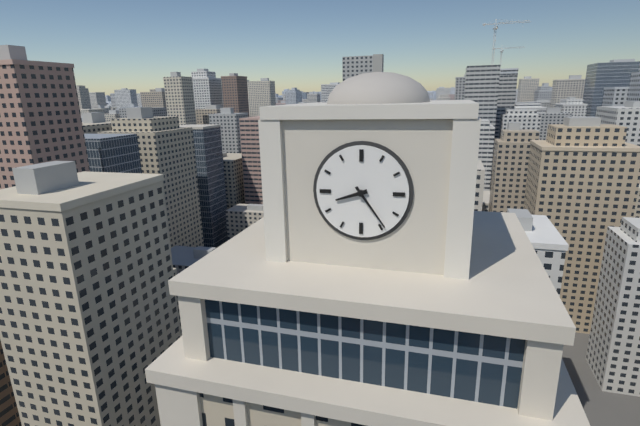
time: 8:24
